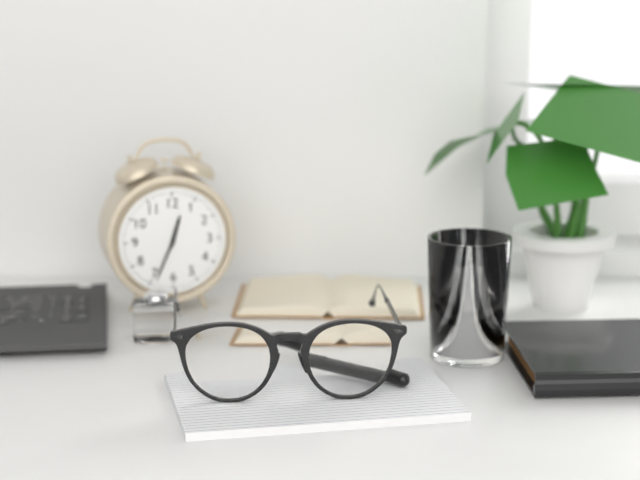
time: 12:34
